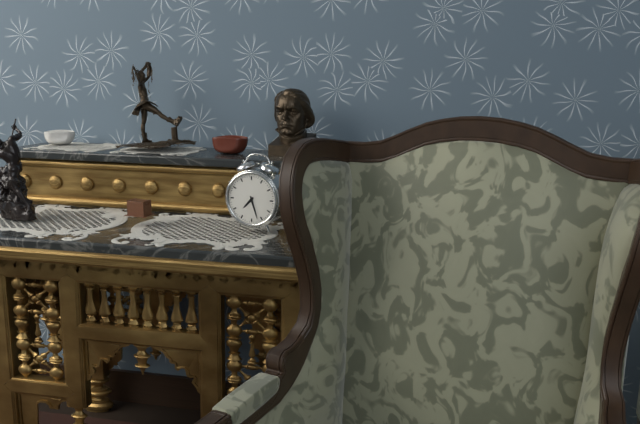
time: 7:27
